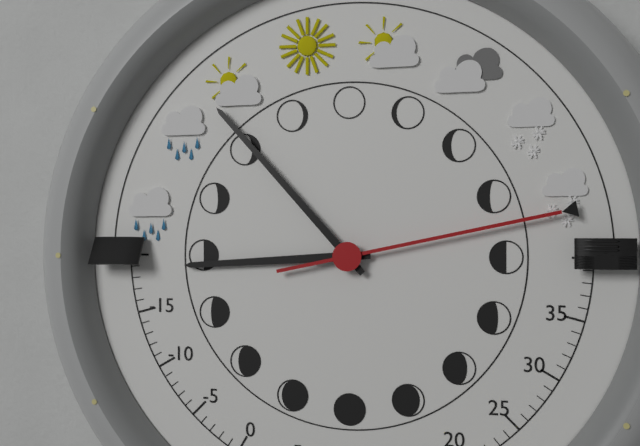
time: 8:53:13
